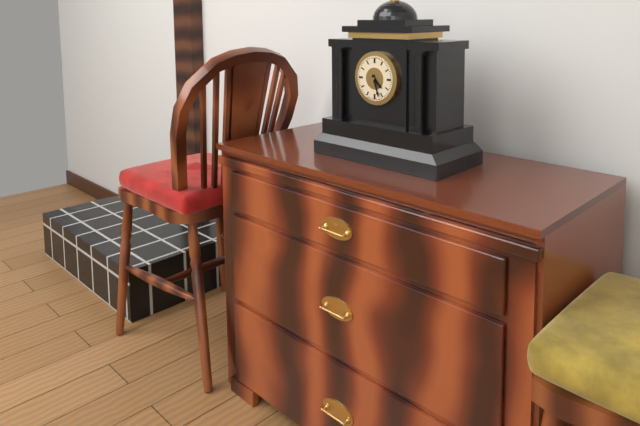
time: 4:27
